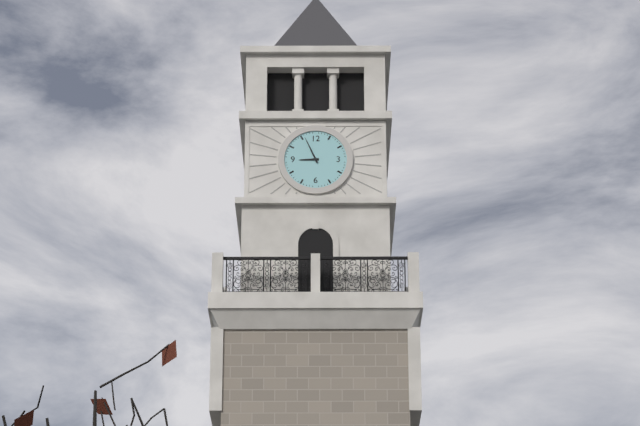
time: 8:56
